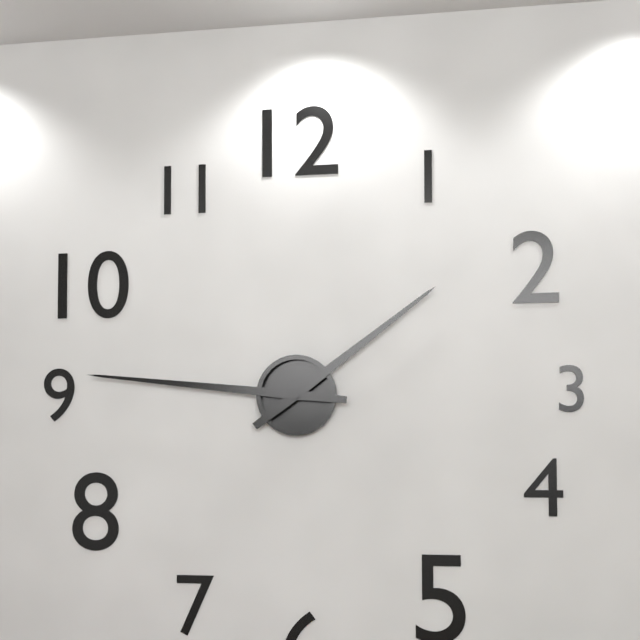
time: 1:46
